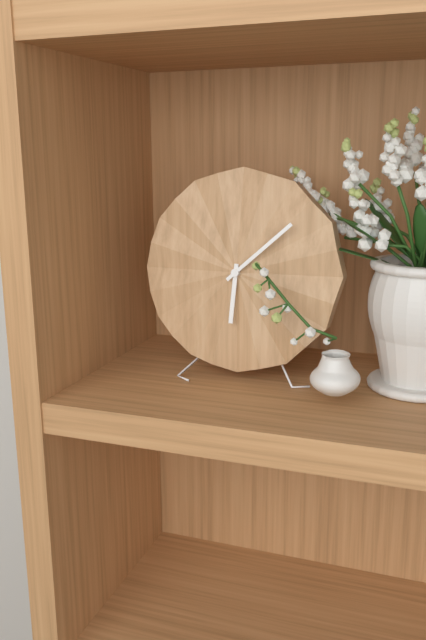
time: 6:08
